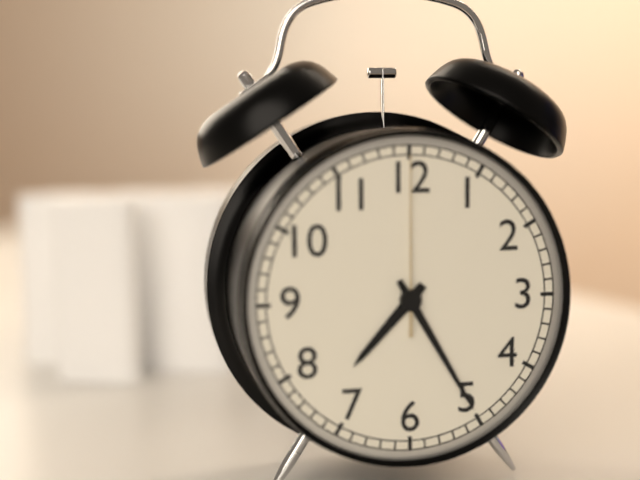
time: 7:25:00
